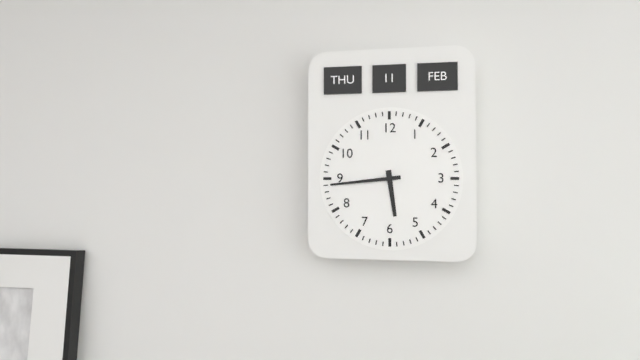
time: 5:44
